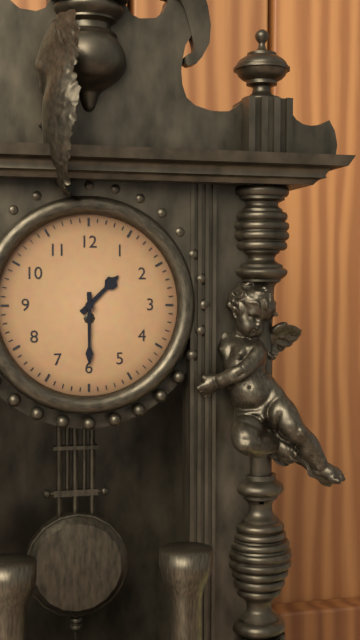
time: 1:30
